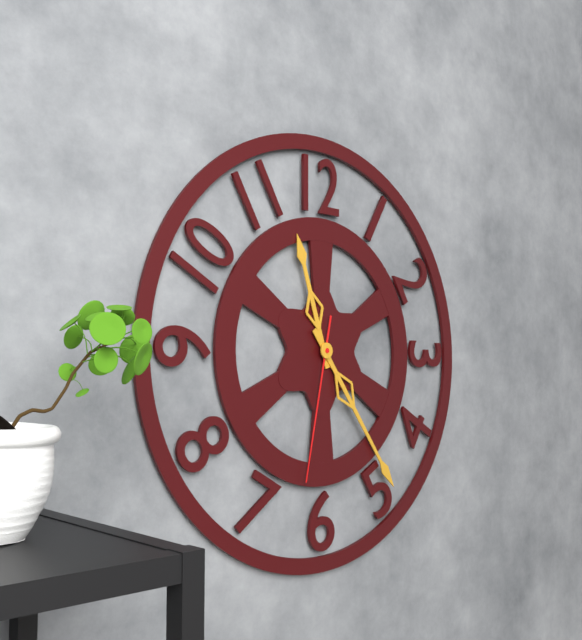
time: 11:24:32
